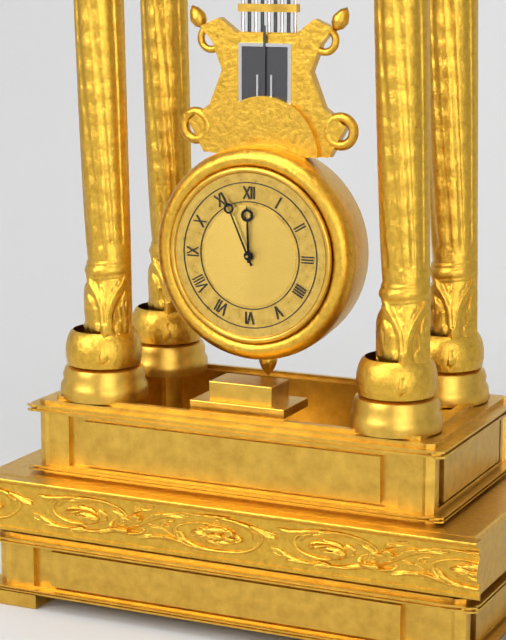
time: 11:56
